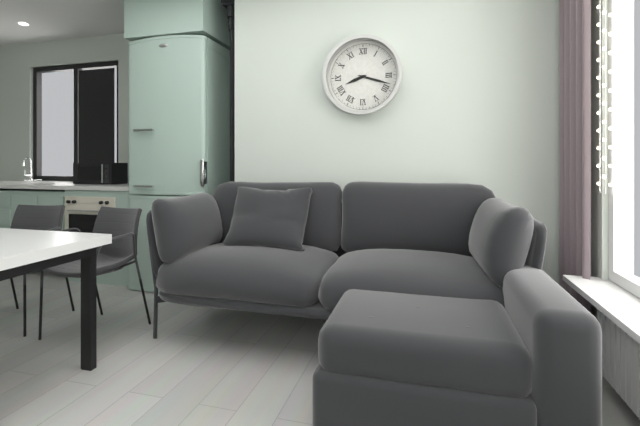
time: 8:18
